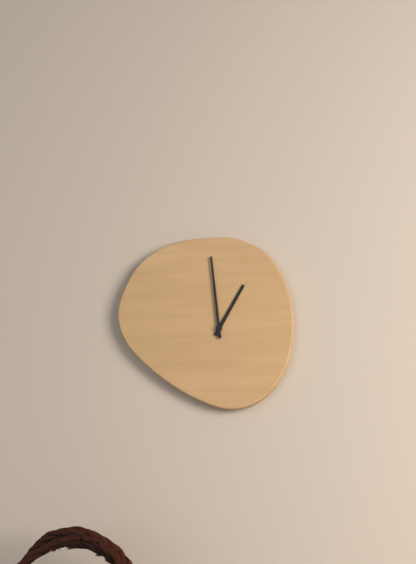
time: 12:59
